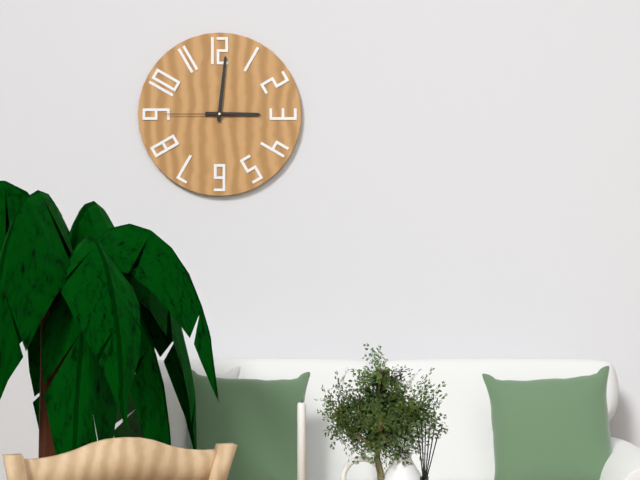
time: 3:01:45
